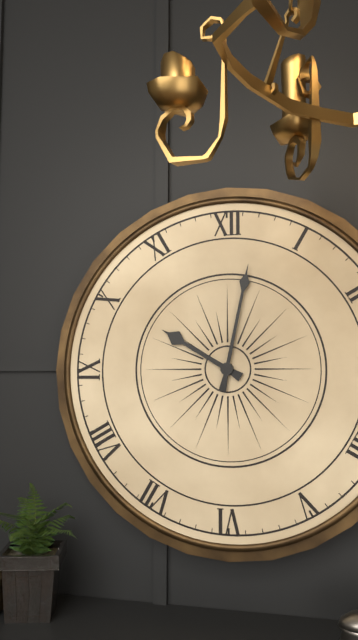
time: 10:02
